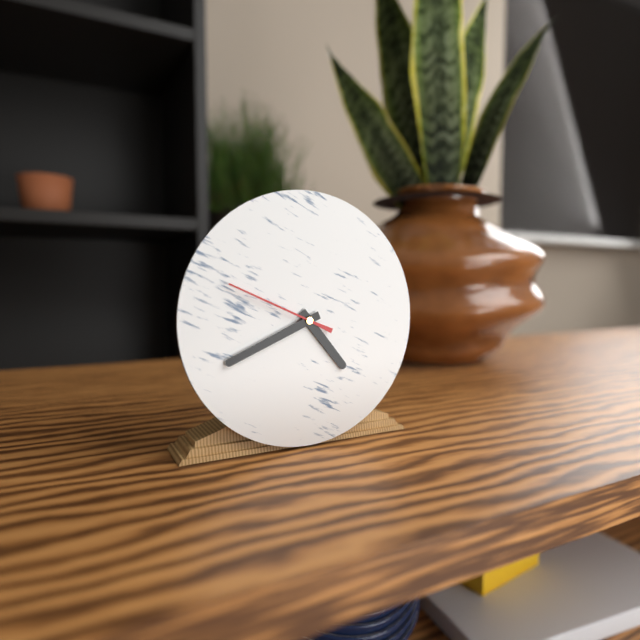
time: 4:41:49
